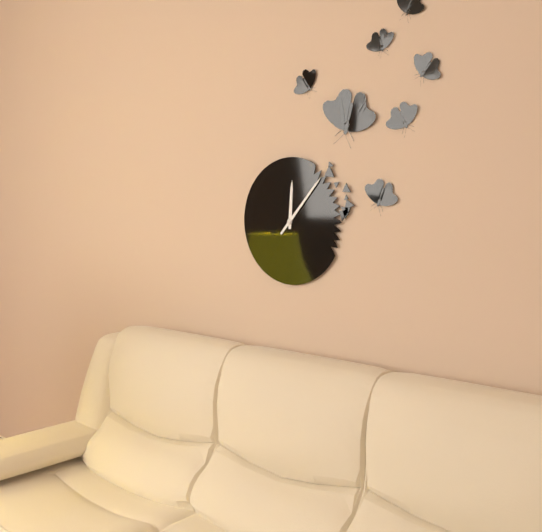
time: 12:07
